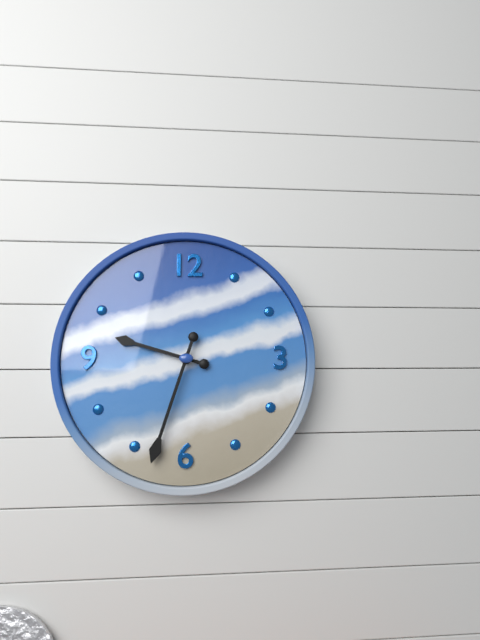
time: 9:33
